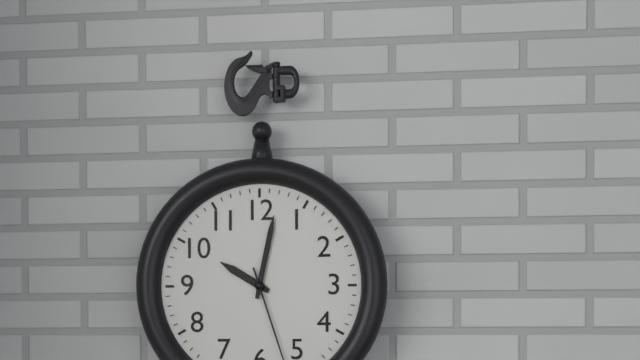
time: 10:02
